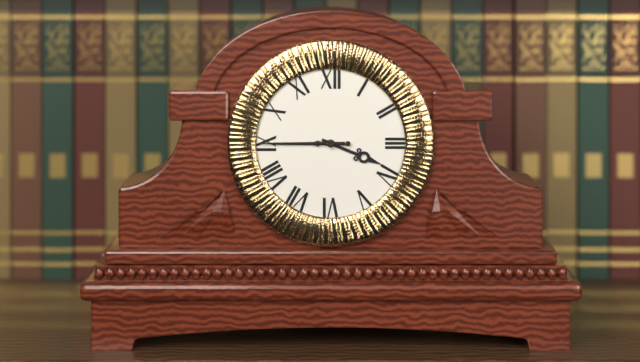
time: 3:45:45
